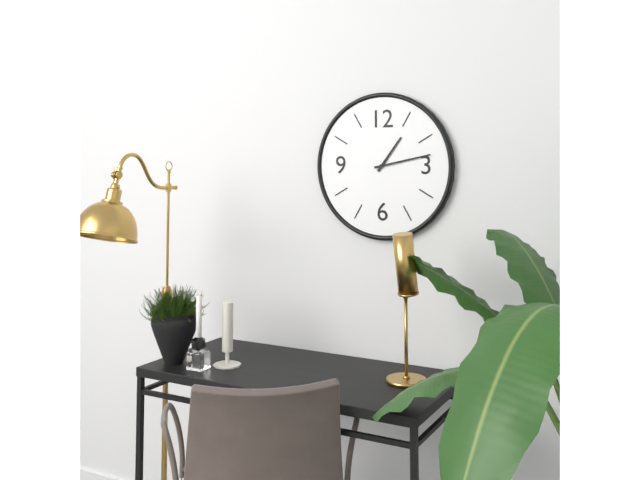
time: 1:13
